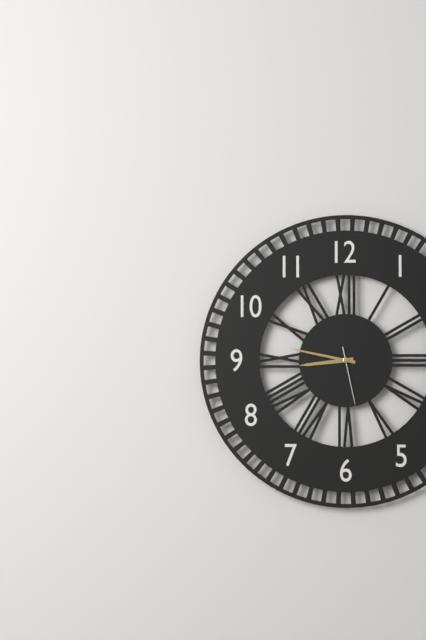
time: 8:47:28
